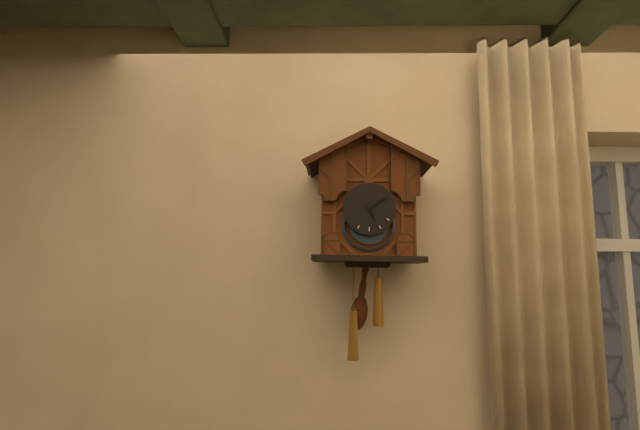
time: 5:09
